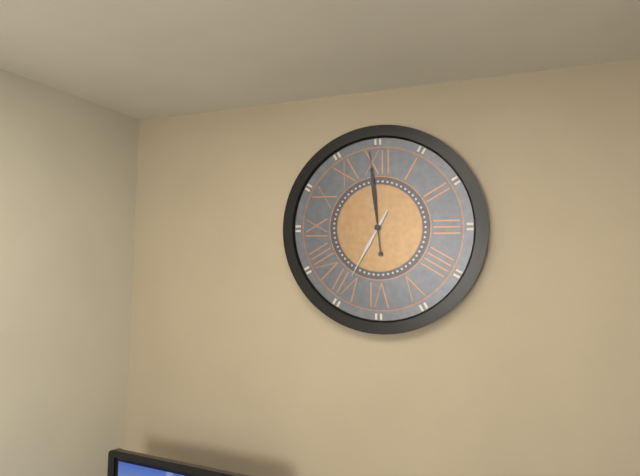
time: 6:59
